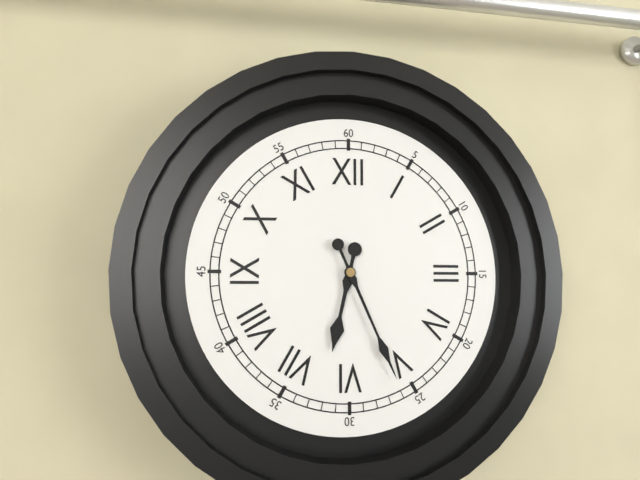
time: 6:26
